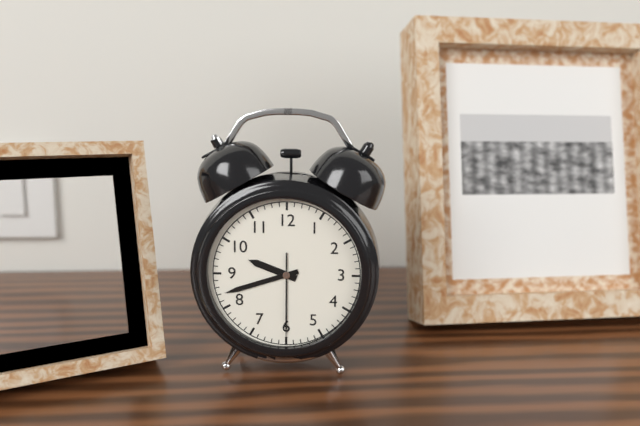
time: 9:42:30
